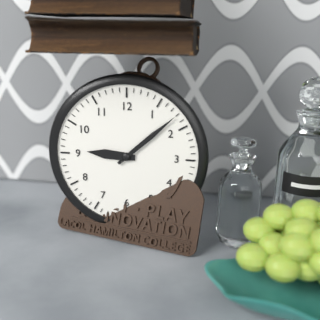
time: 9:08
